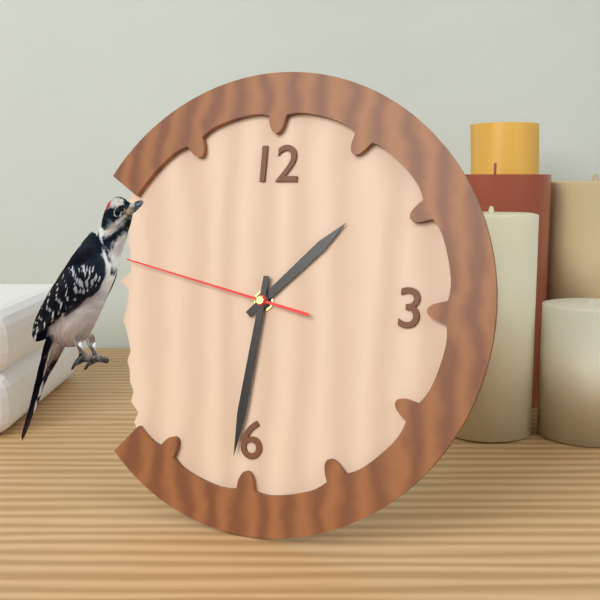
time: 1:31:47
